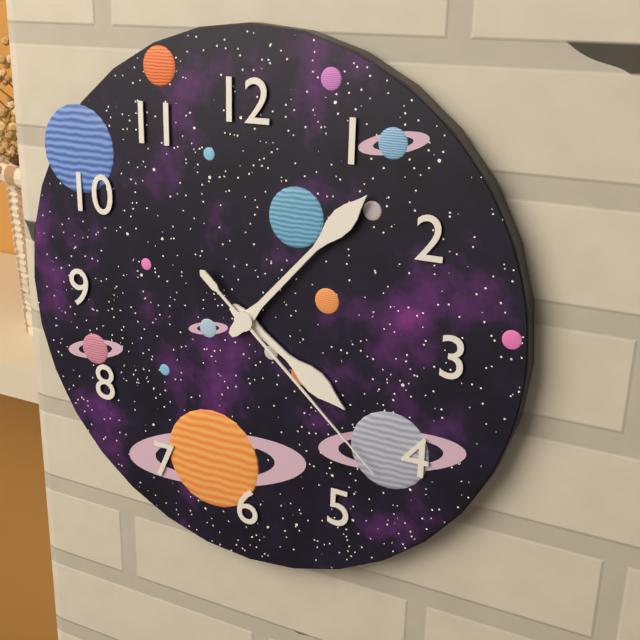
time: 4:07:22
